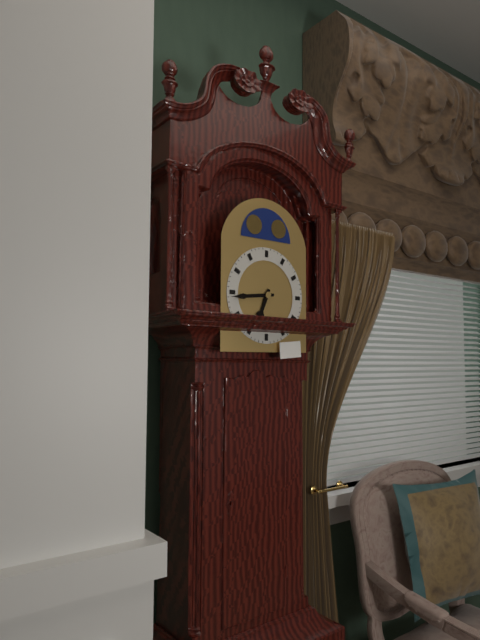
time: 6:44
